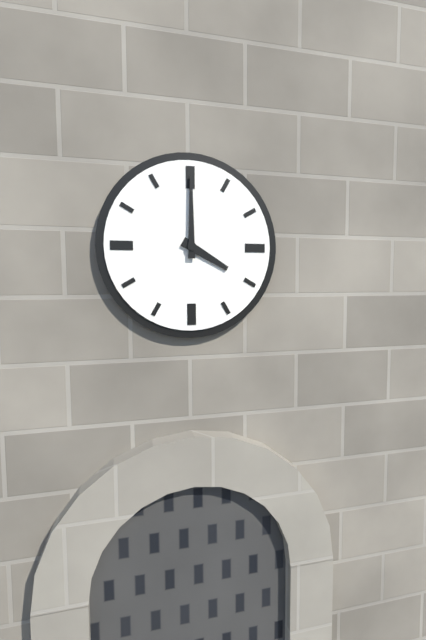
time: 4:00
